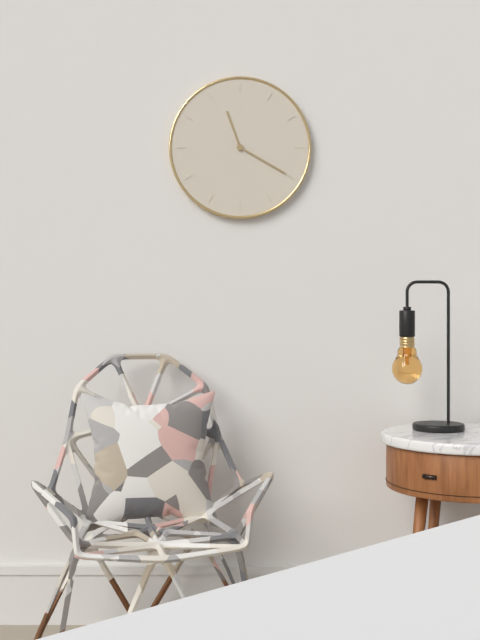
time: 11:20
